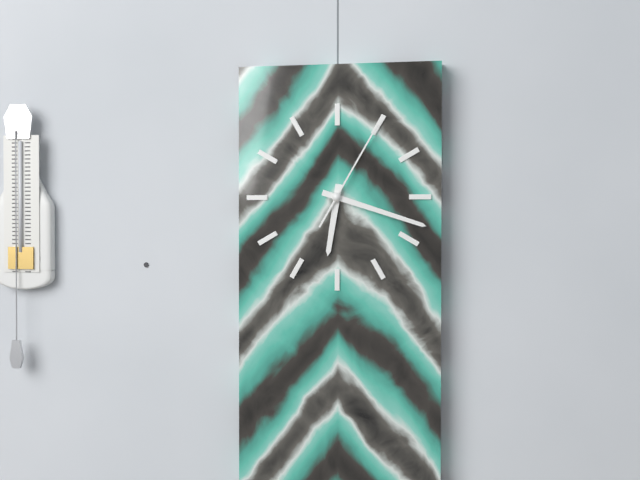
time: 6:18:05
